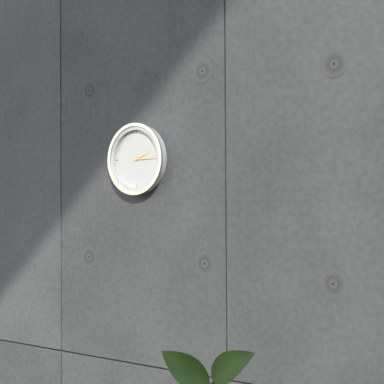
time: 2:15
